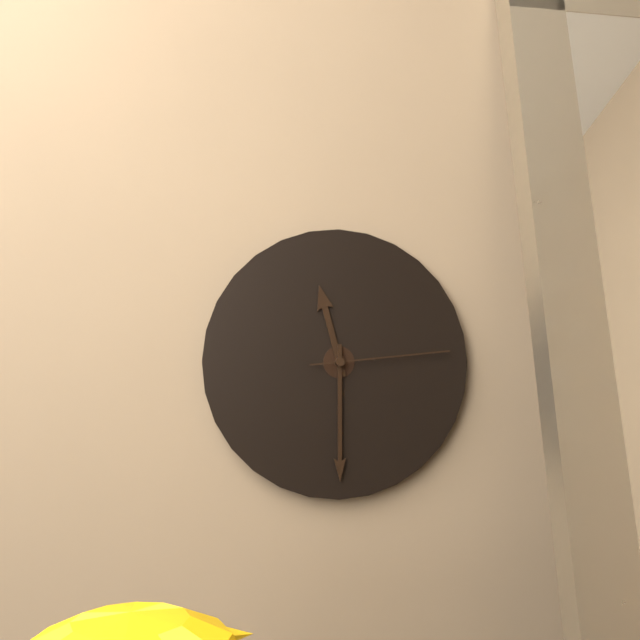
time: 11:30:14
